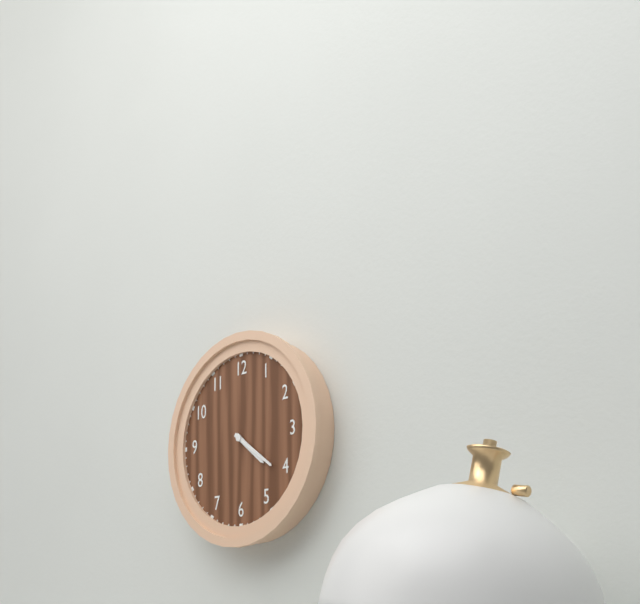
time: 4:21
